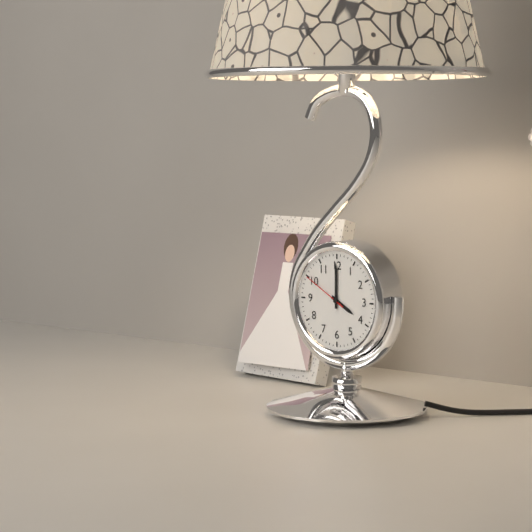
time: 4:00
